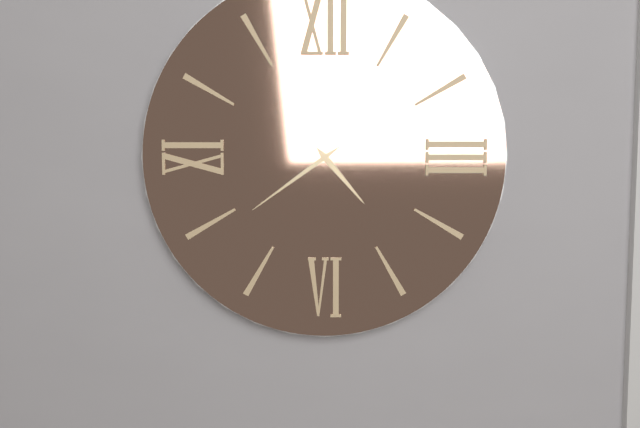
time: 4:39
